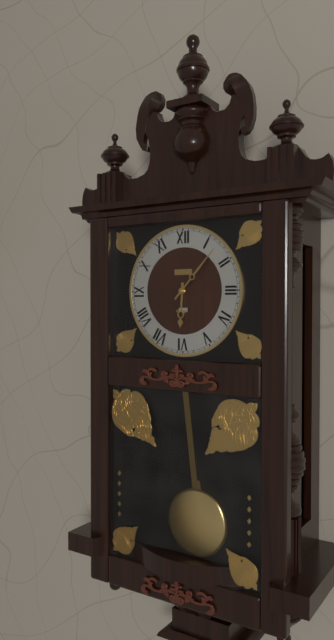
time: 6:07
